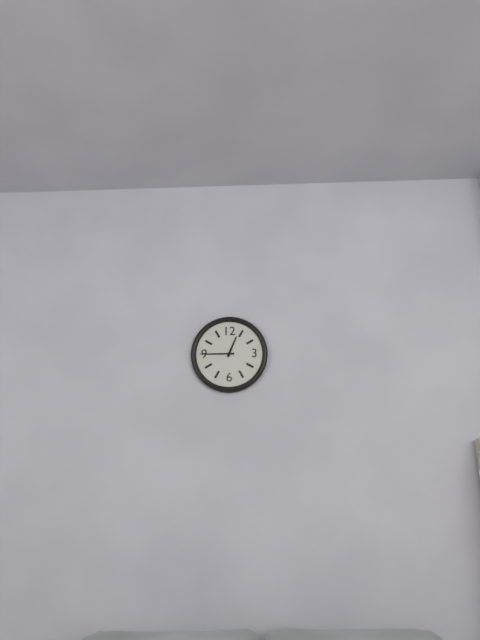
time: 12:45
